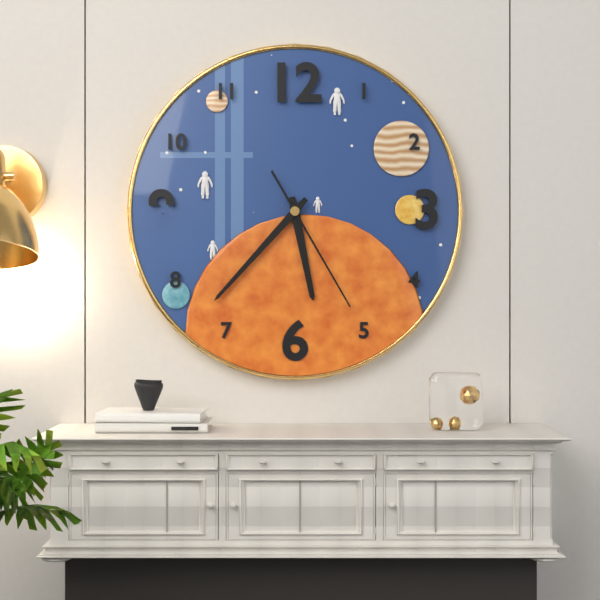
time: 5:37:25
